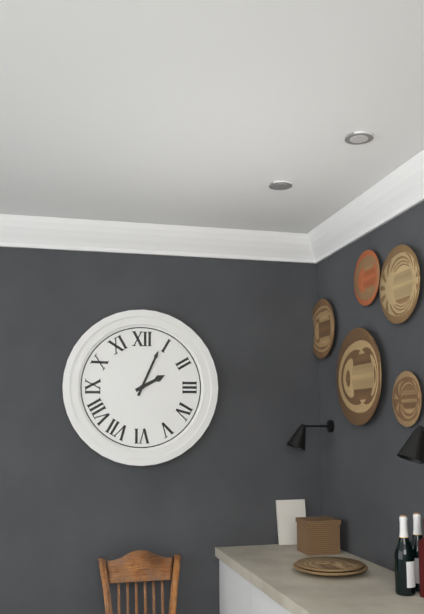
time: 2:04
